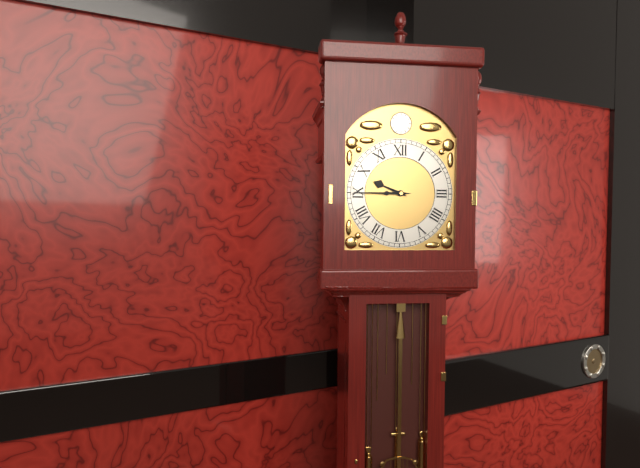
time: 9:45
